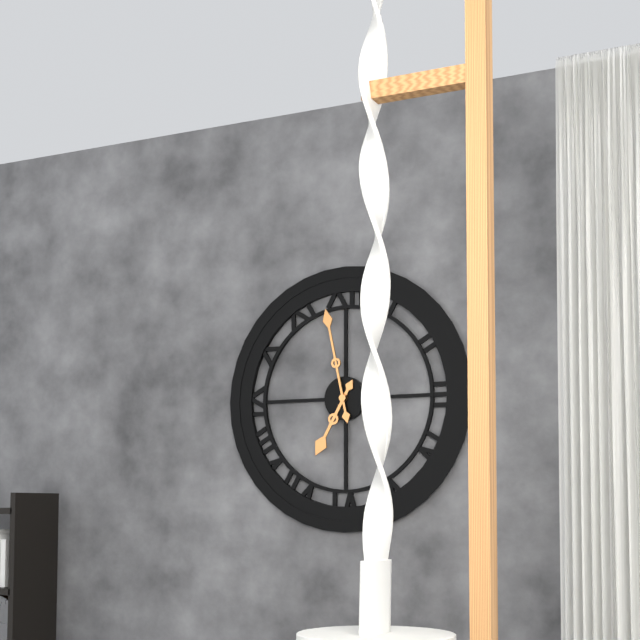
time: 6:58
